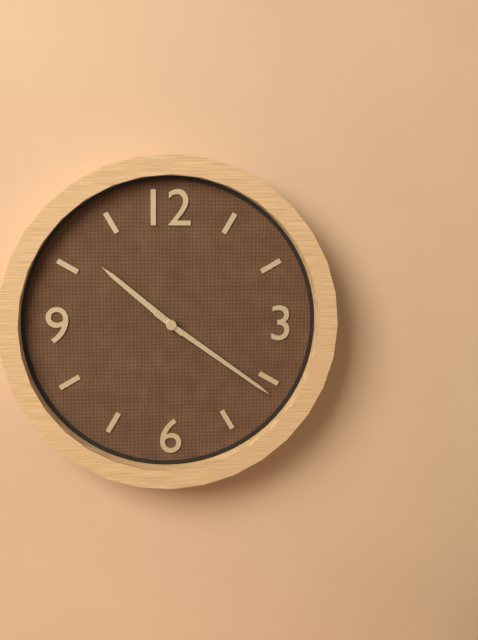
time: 10:21
